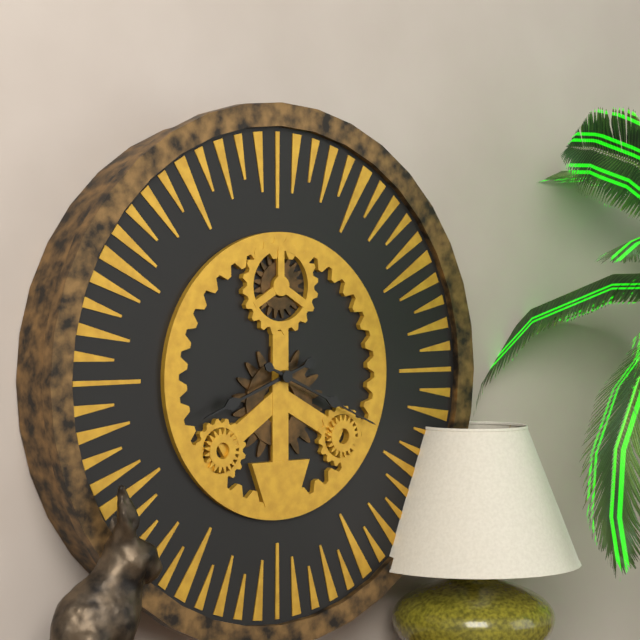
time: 8:19
